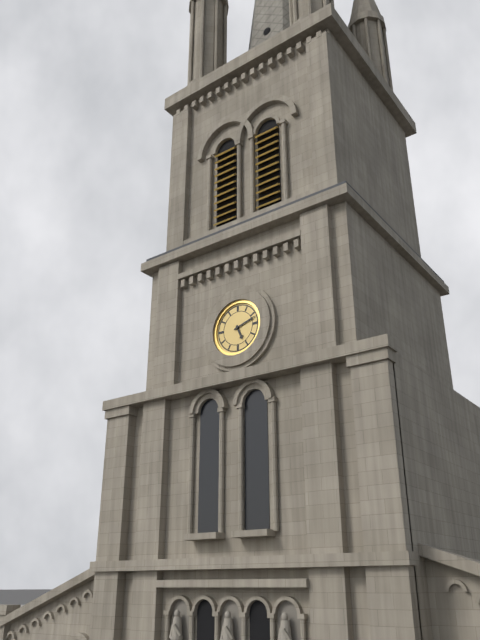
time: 5:12
